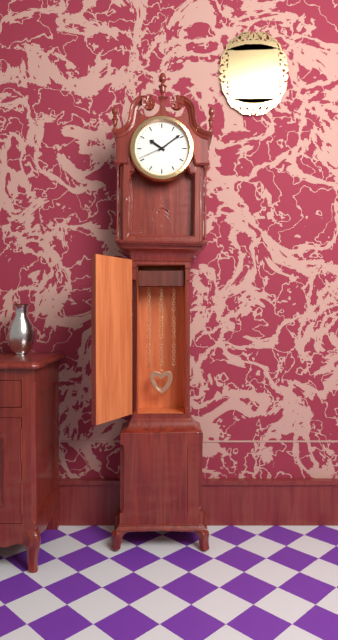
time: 10:09
